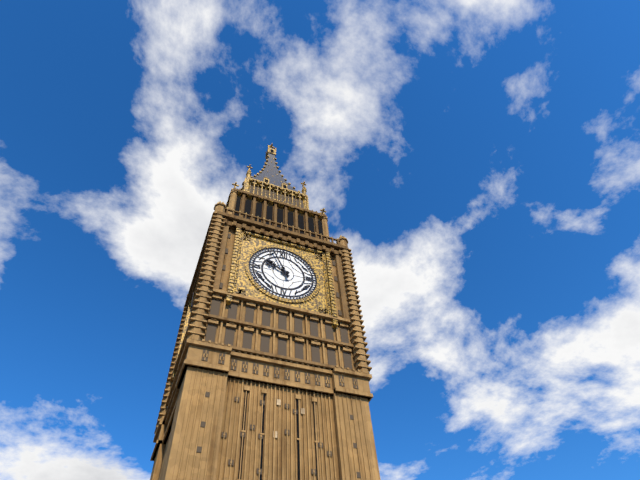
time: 9:56
